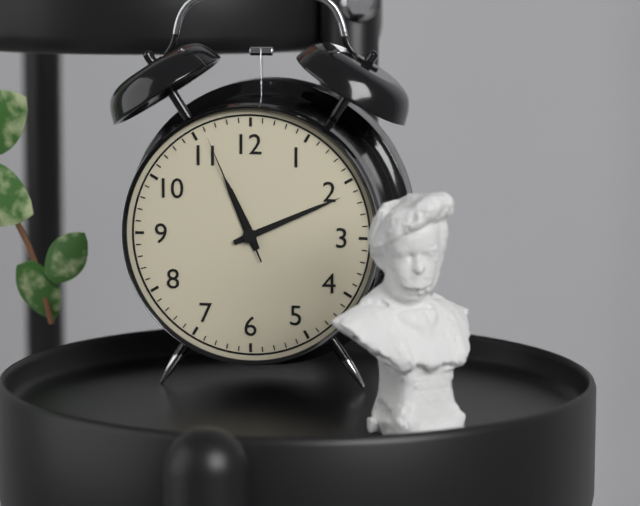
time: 11:11:56
